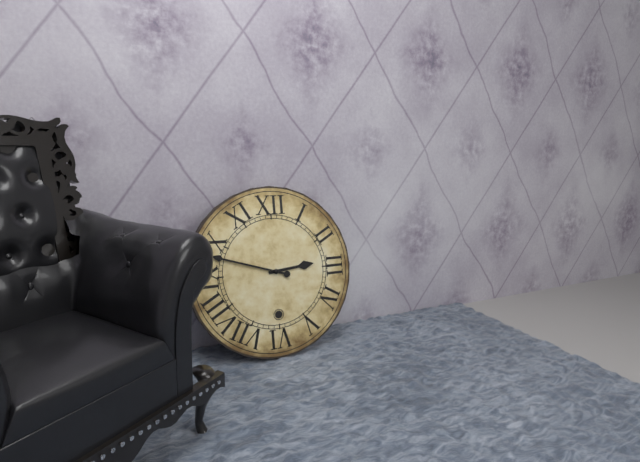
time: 2:48
